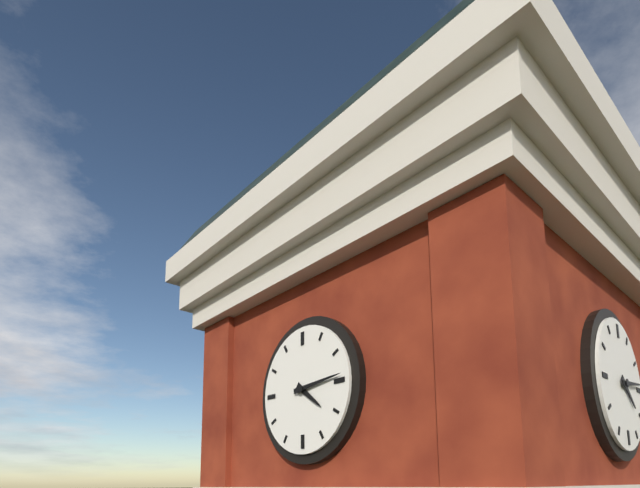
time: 4:14
